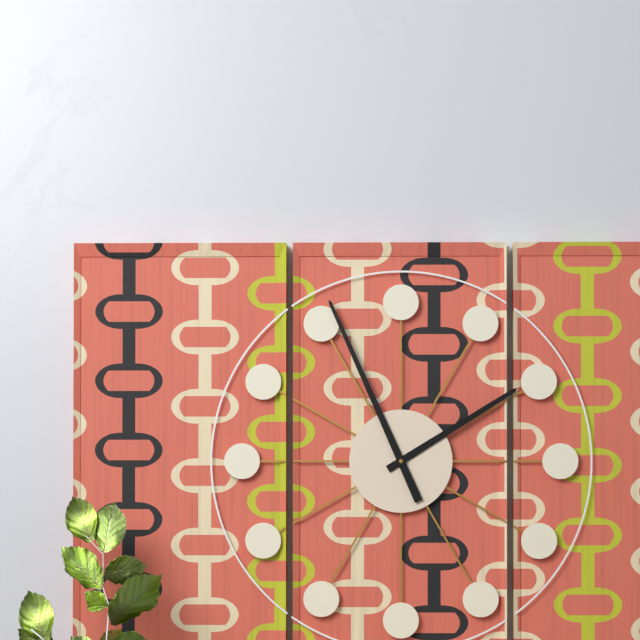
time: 1:56
